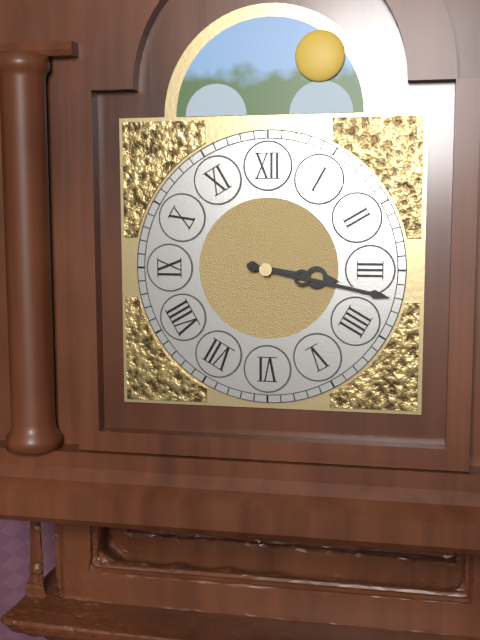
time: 3:17
